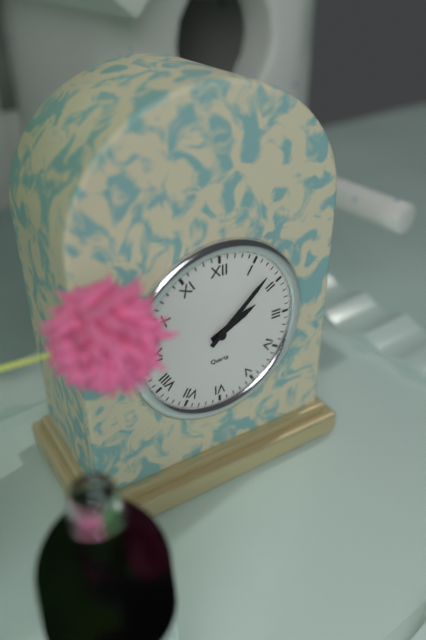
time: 2:08
